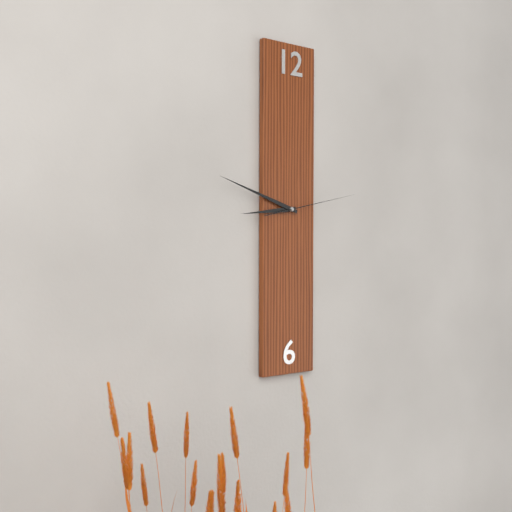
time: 8:48:13
